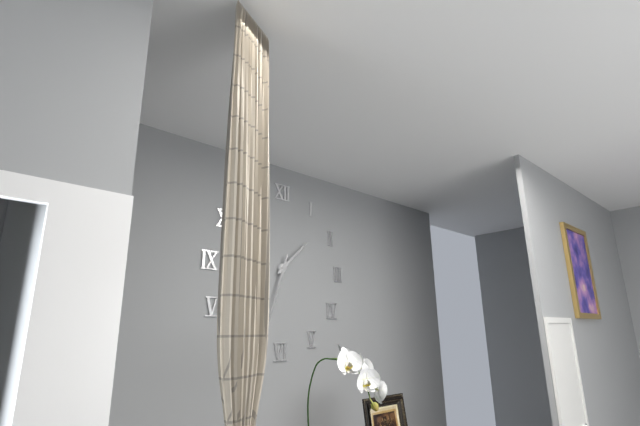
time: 1:33
